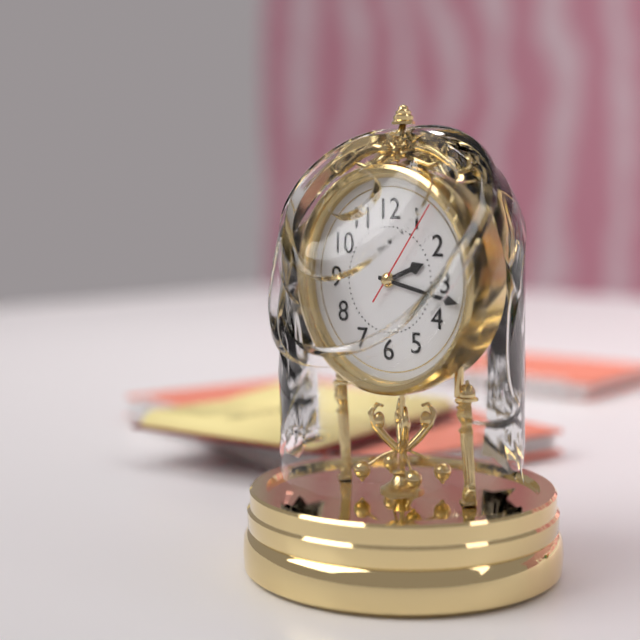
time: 2:17:06
